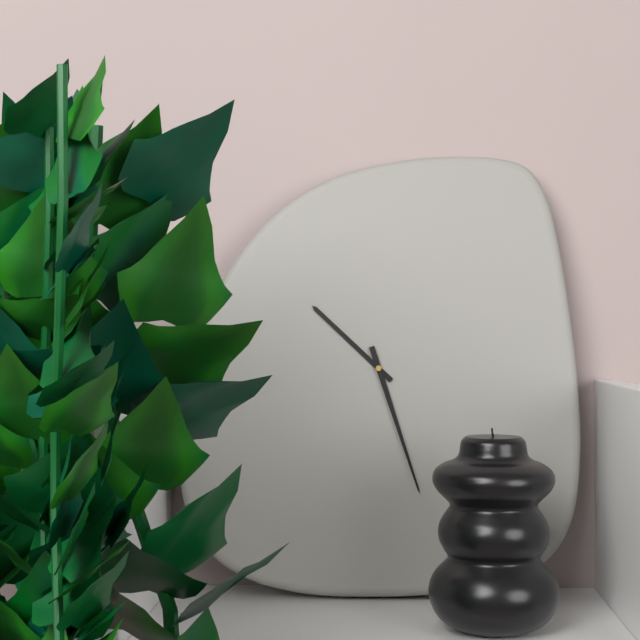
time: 10:27
